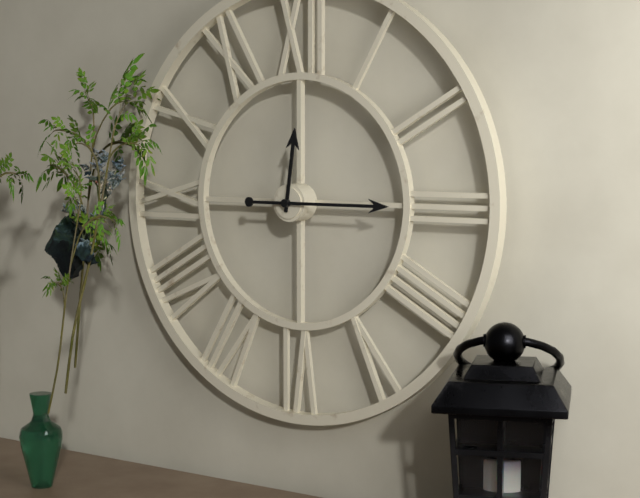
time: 12:15
